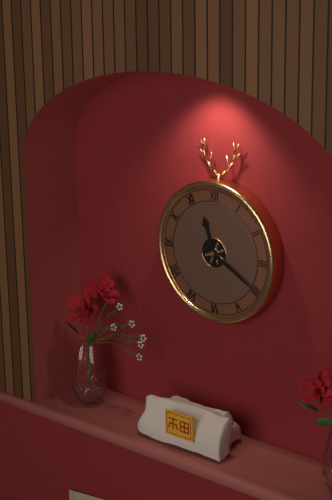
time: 11:20
